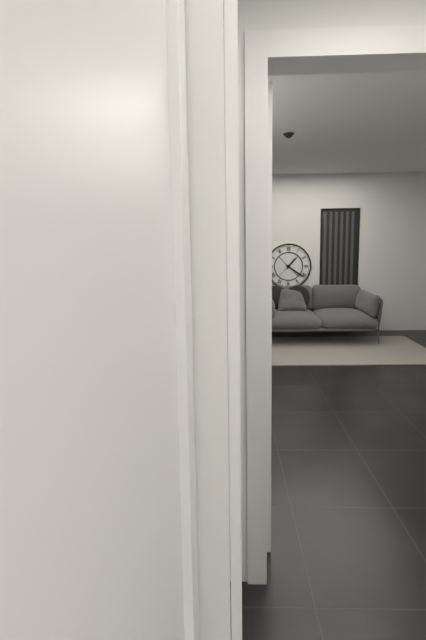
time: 1:21
